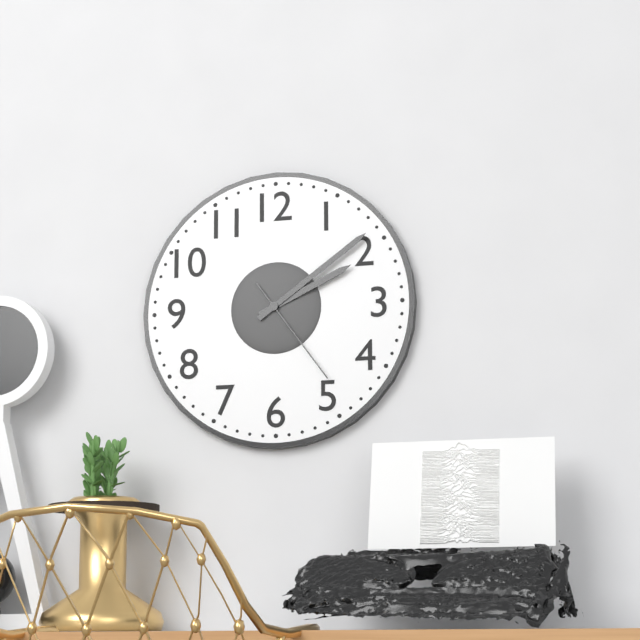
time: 2:09:24
